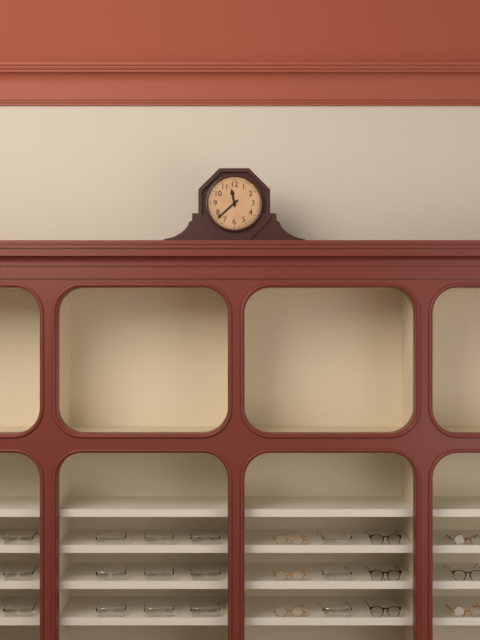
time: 11:38
